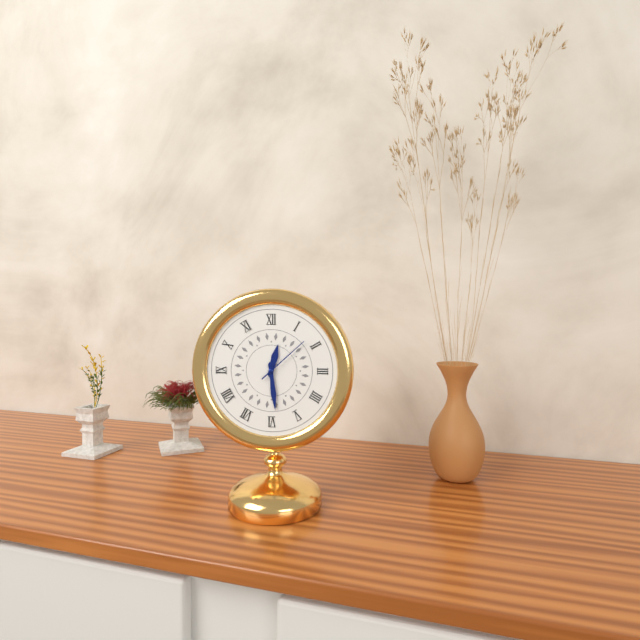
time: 12:29:08
